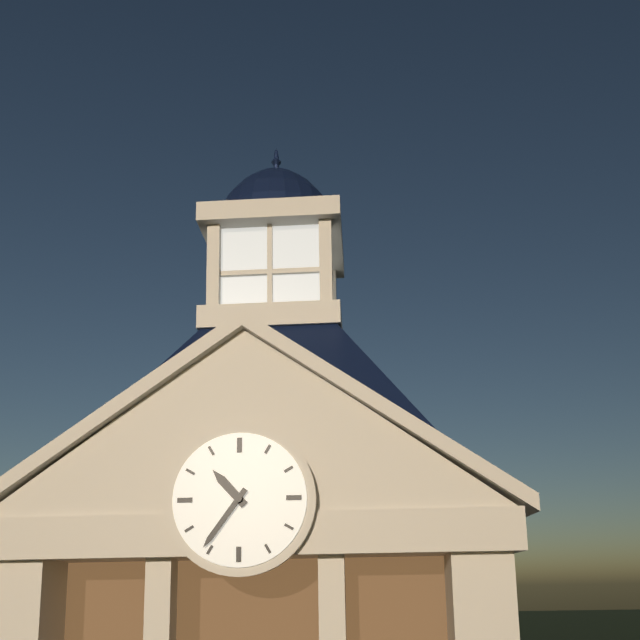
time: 10:36
